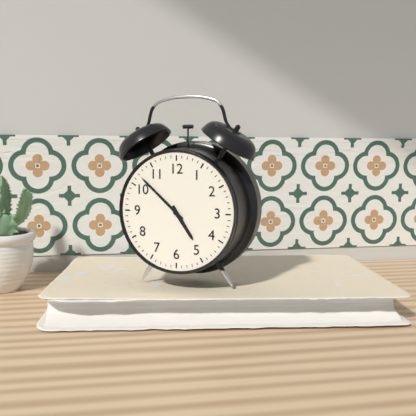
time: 4:52
